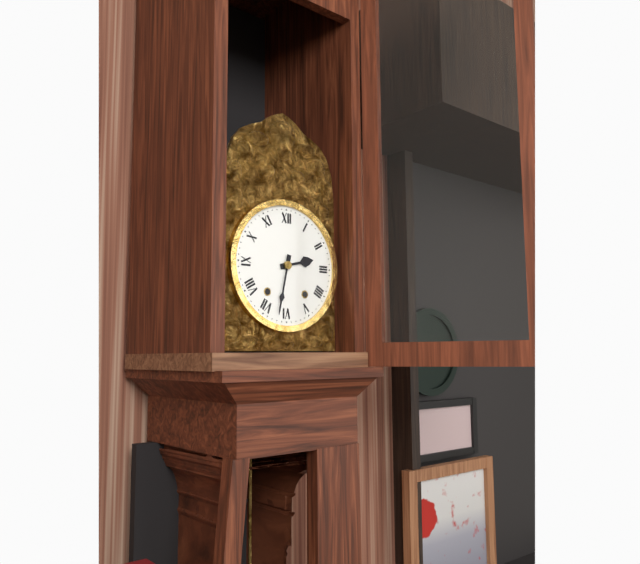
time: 2:32
